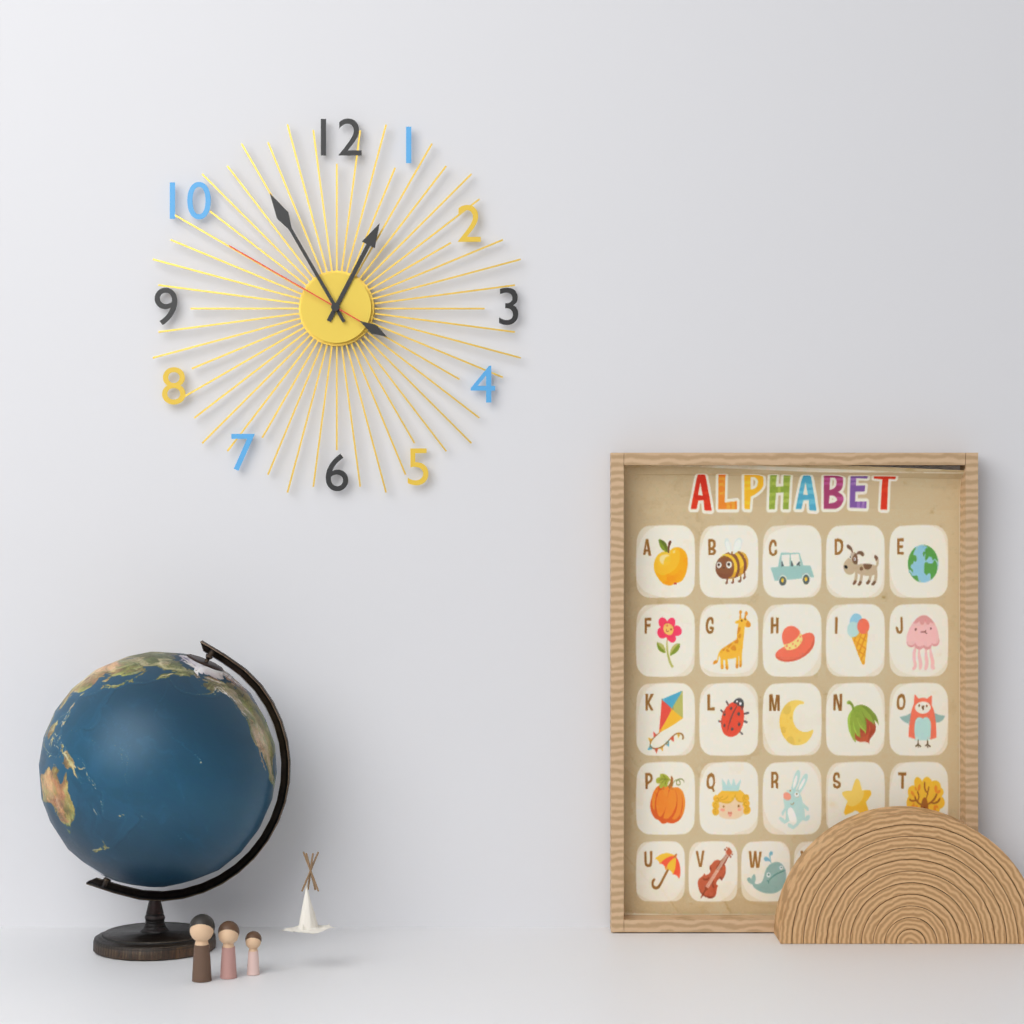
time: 12:55:50
